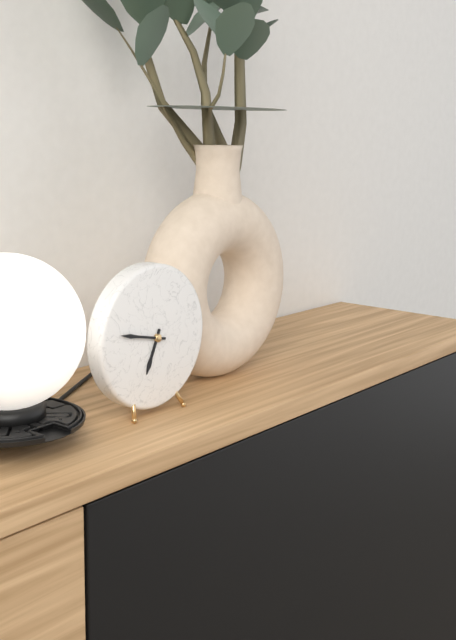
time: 6:47
